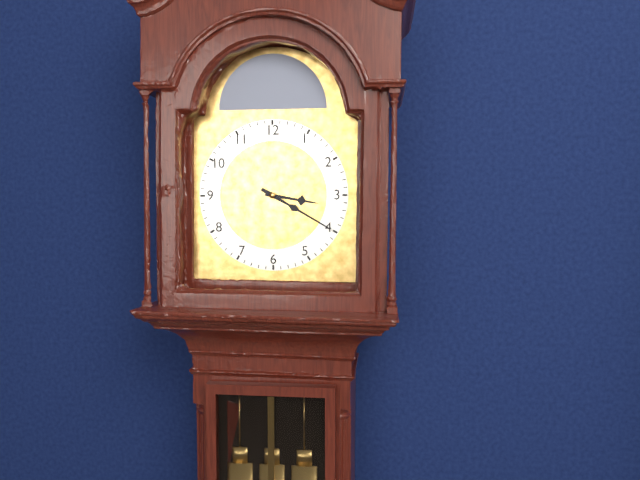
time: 3:20
